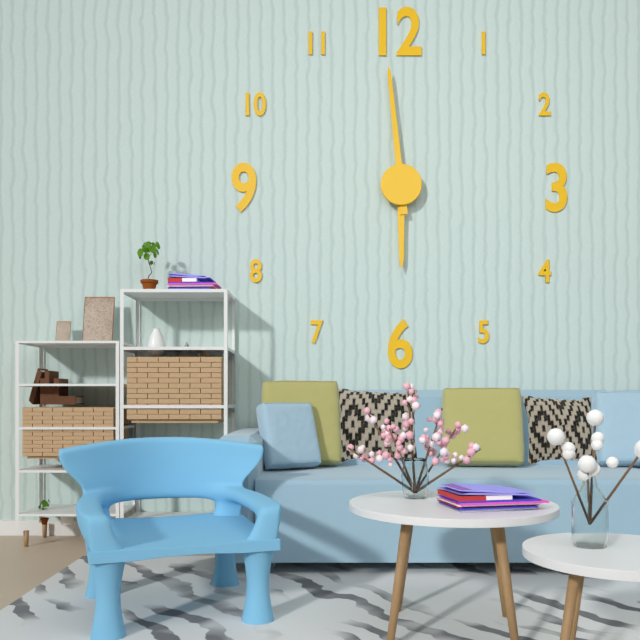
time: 5:59
